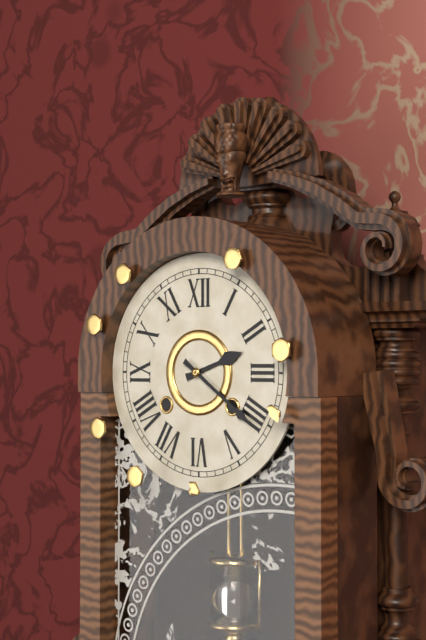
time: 2:21
